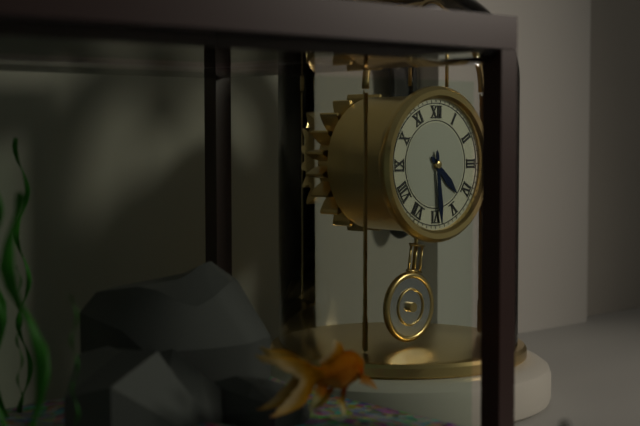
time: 4:29
